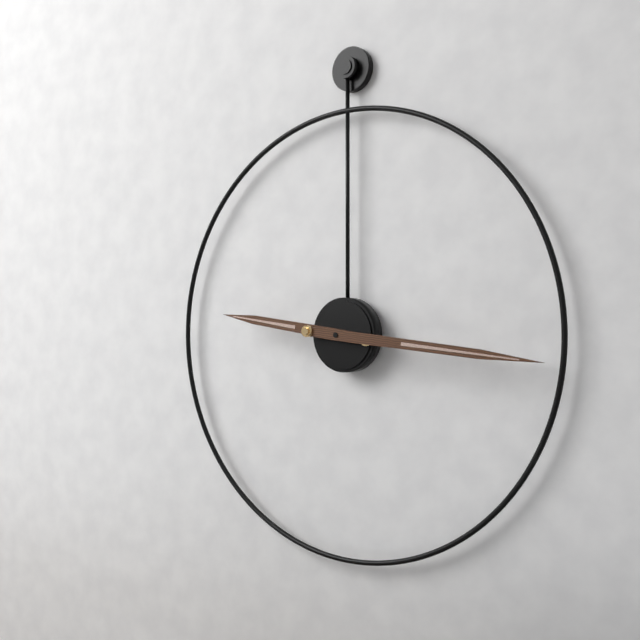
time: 9:16
